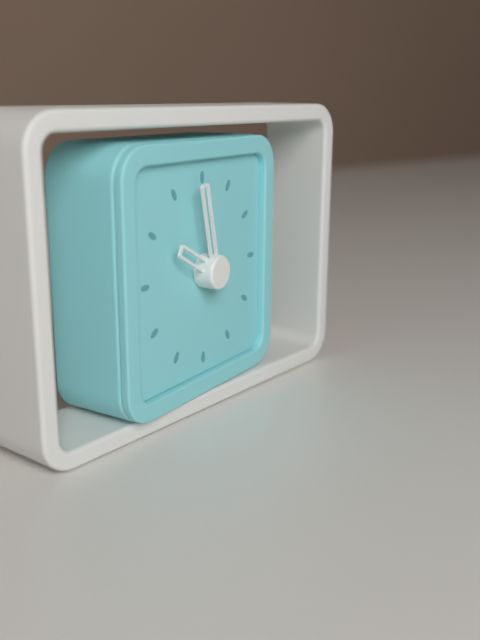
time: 9:58
